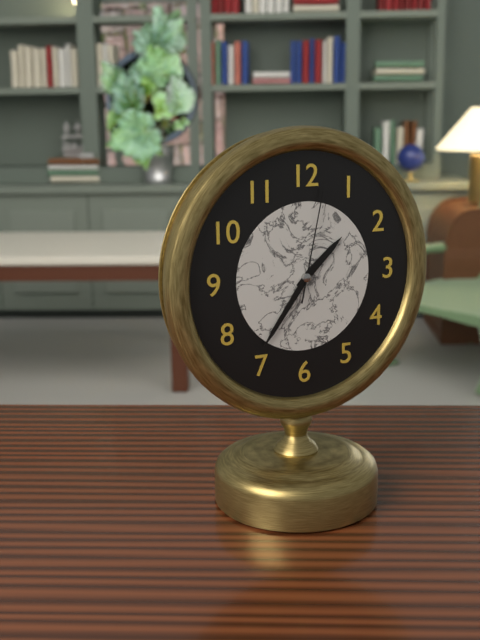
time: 1:36:02
